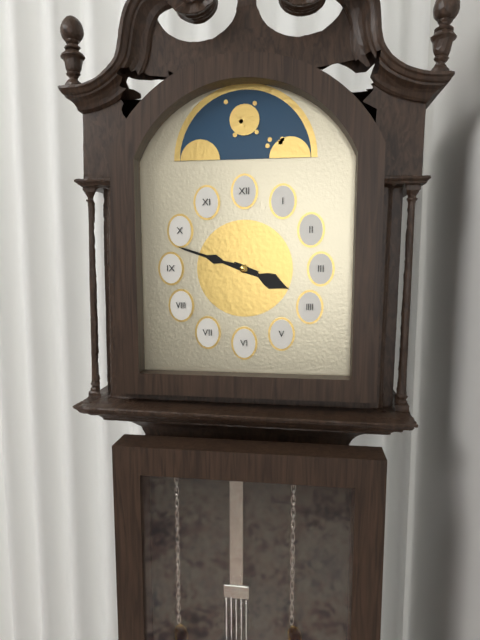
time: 3:48
